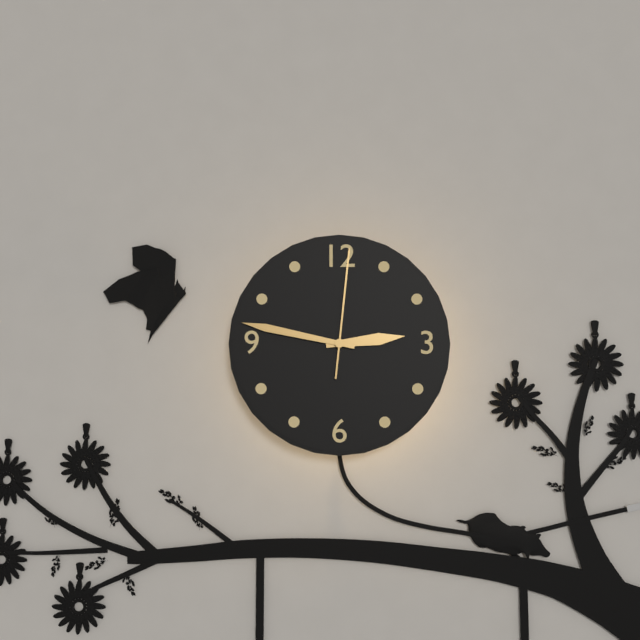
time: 2:47:01
